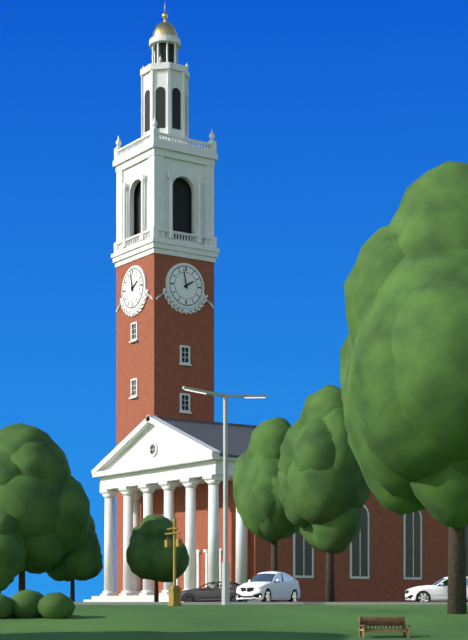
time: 1:58
